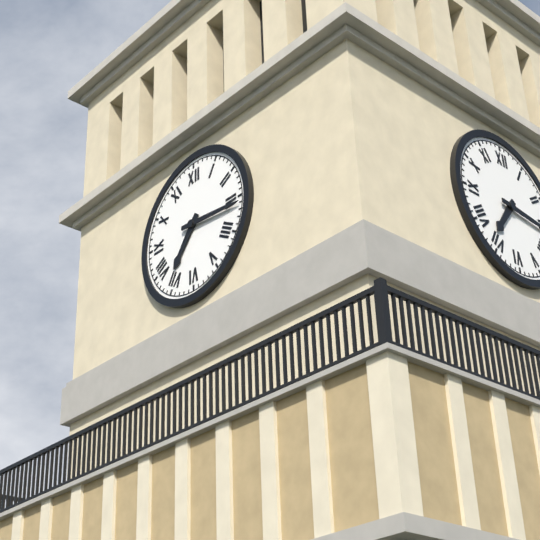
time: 7:16
